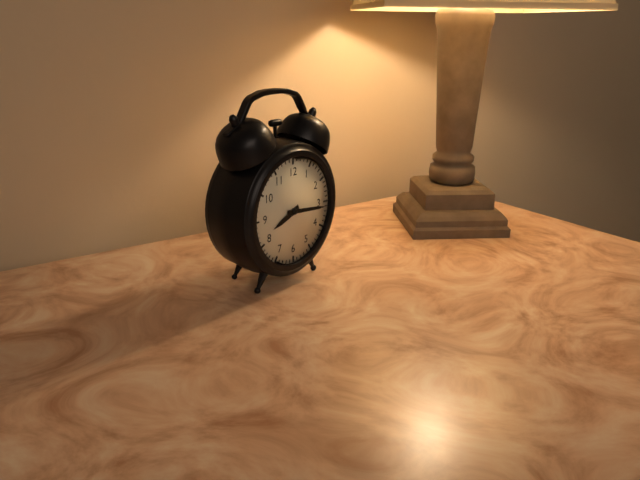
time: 8:16
